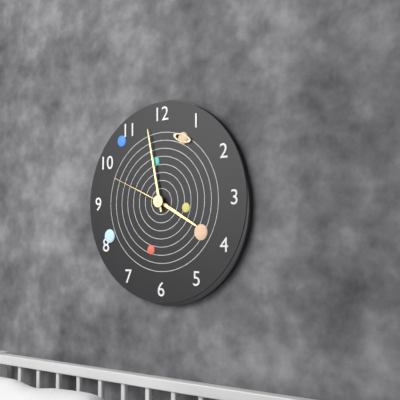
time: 3:58:49
